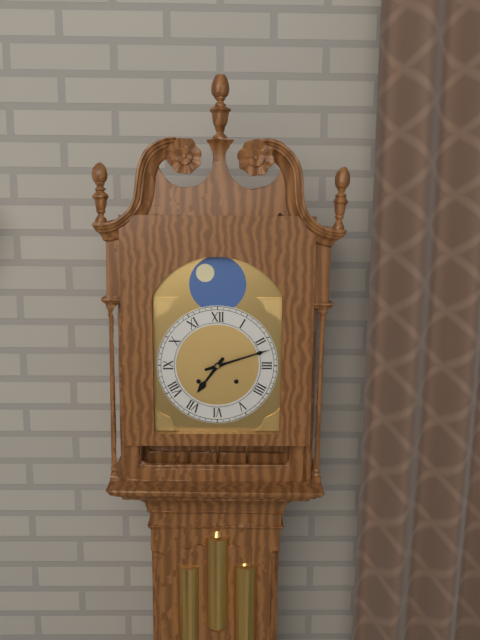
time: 7:12
